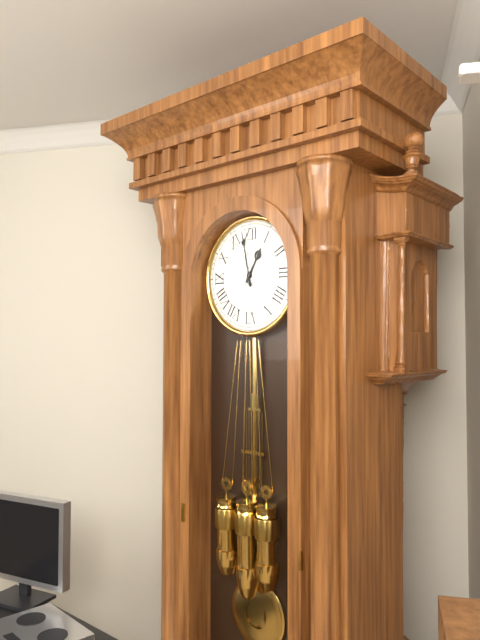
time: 12:58
